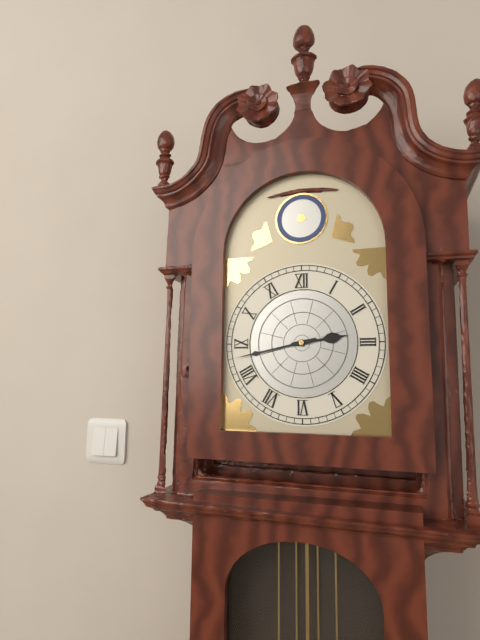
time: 2:43
